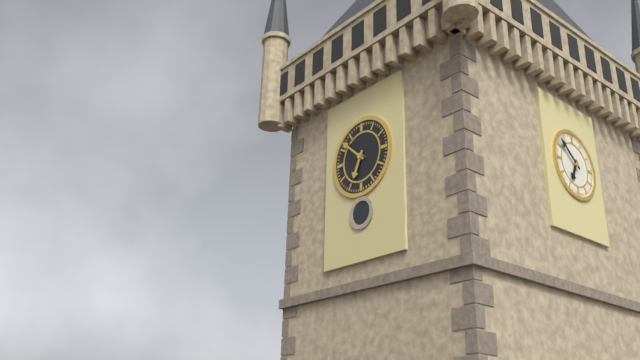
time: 6:52
